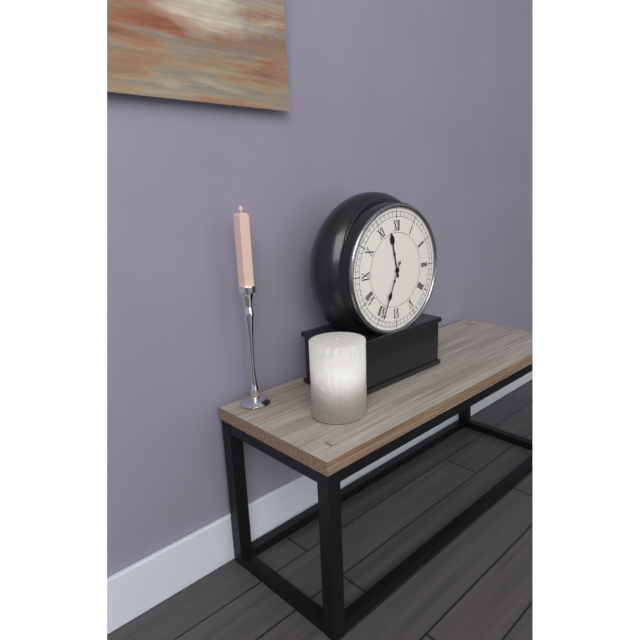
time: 11:34
